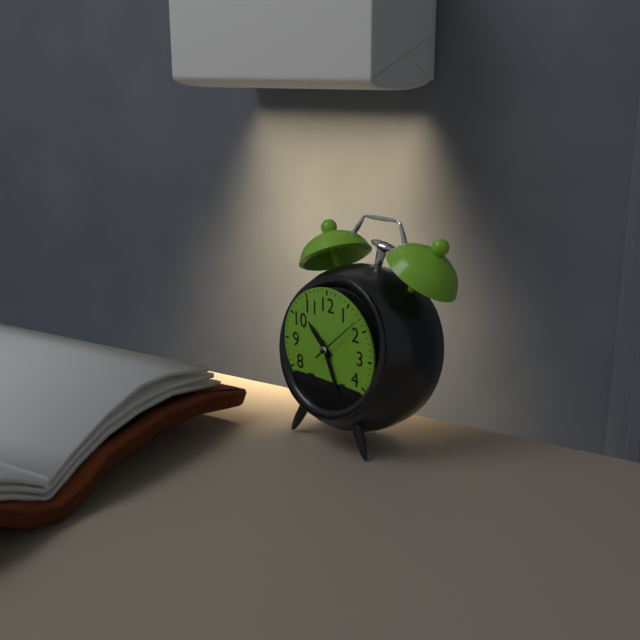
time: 10:26:08
